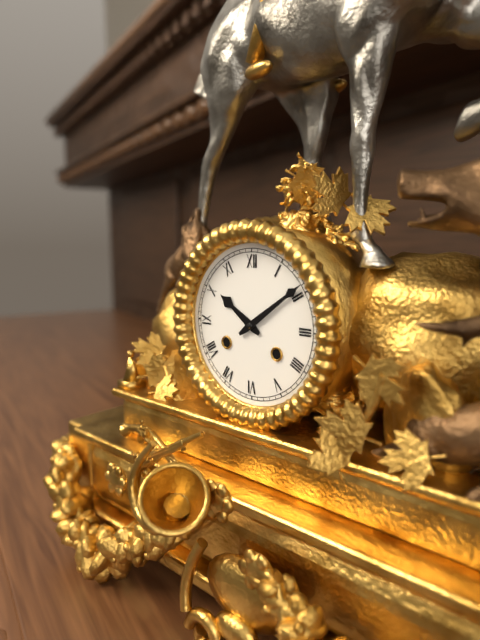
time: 10:09
